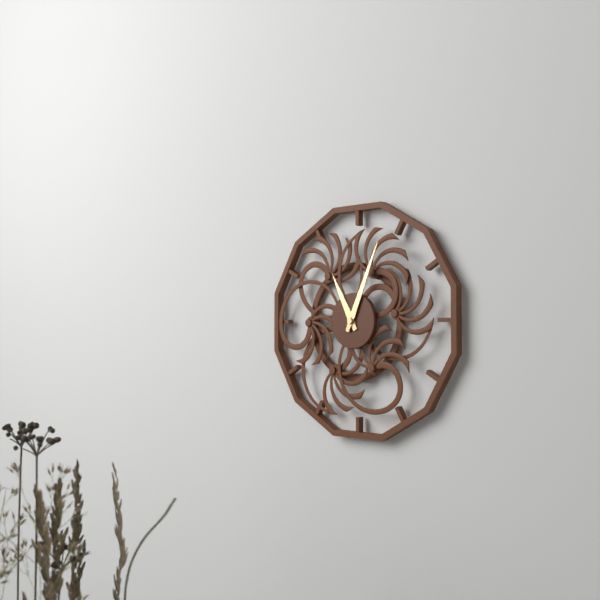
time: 11:04
